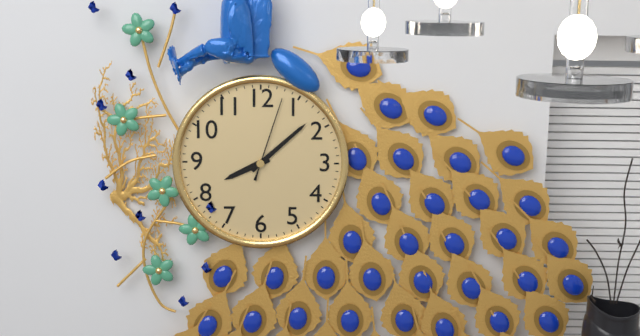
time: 8:08:03
